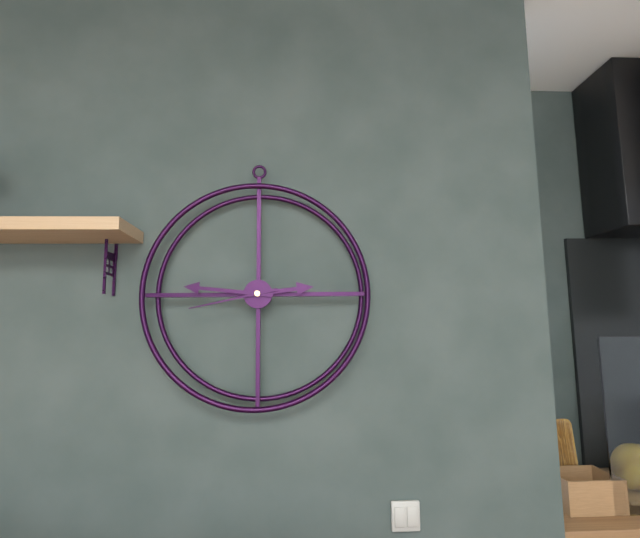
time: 2:46:43
